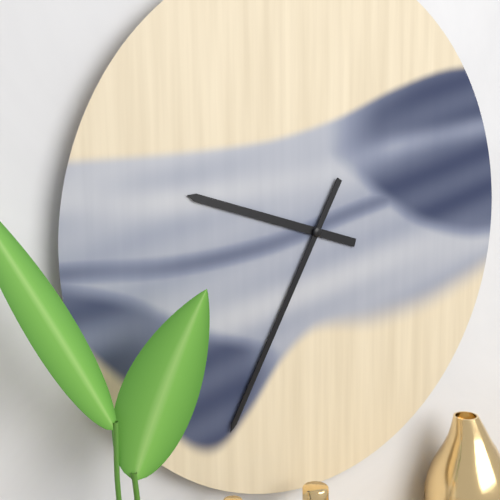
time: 9:35
